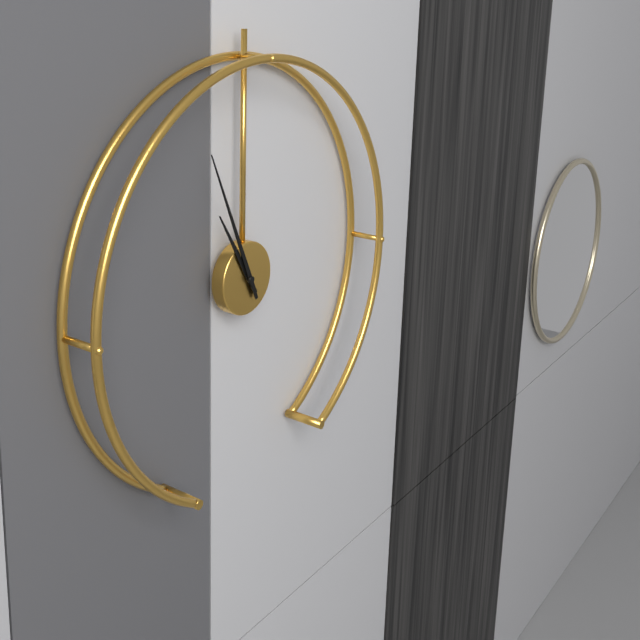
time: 10:56
